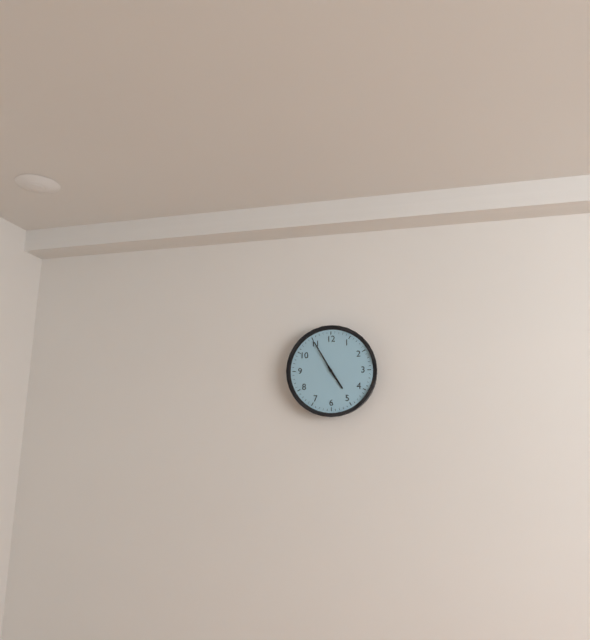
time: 4:55
